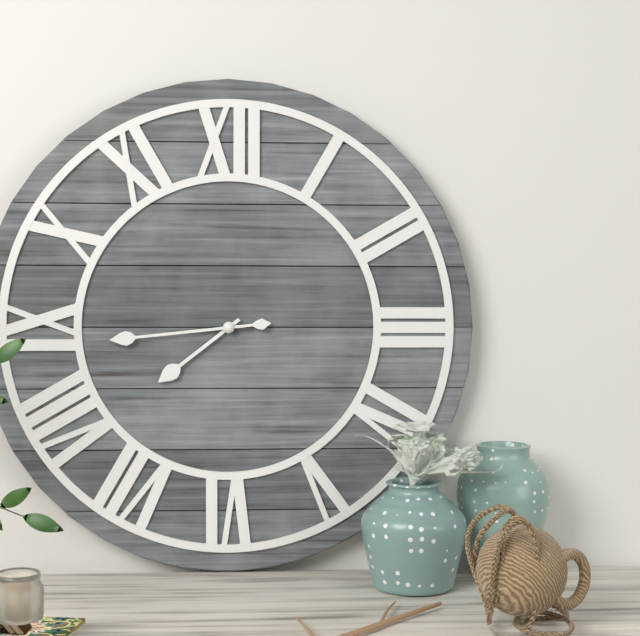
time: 7:44
